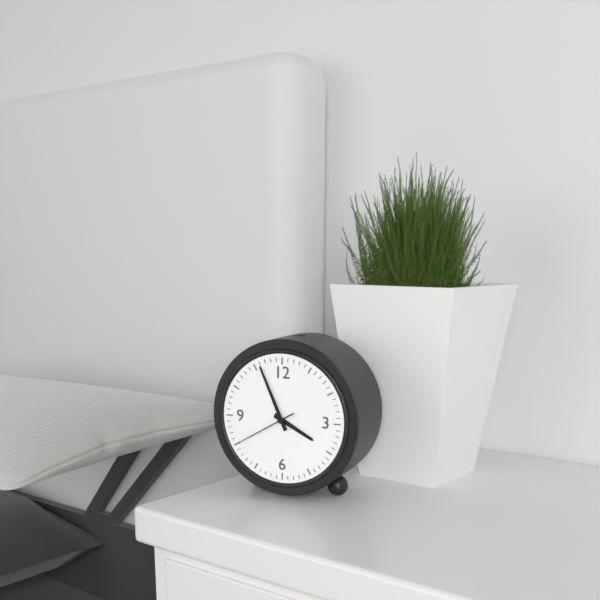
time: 3:56:40
